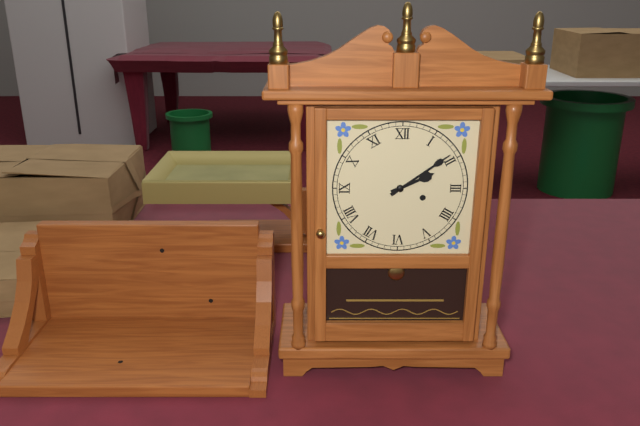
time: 2:09
